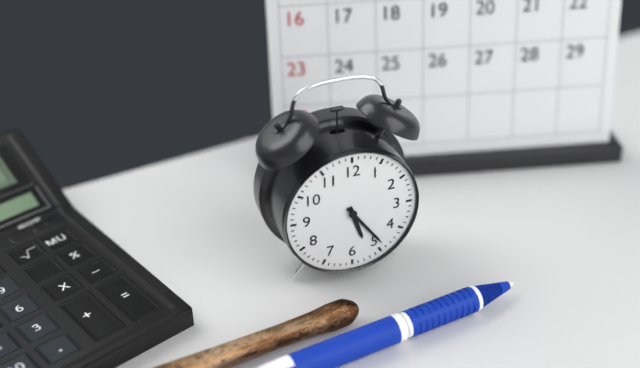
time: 5:24
